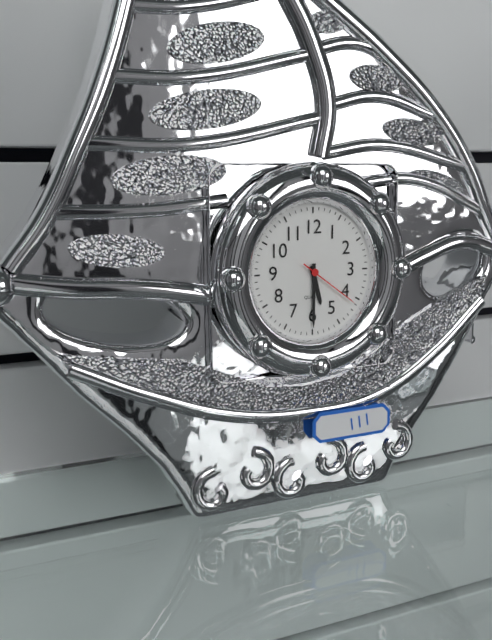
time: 5:30:21
